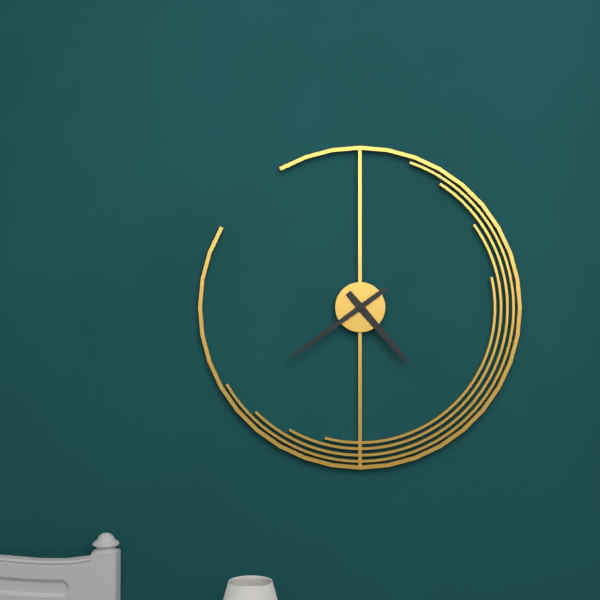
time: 4:39
